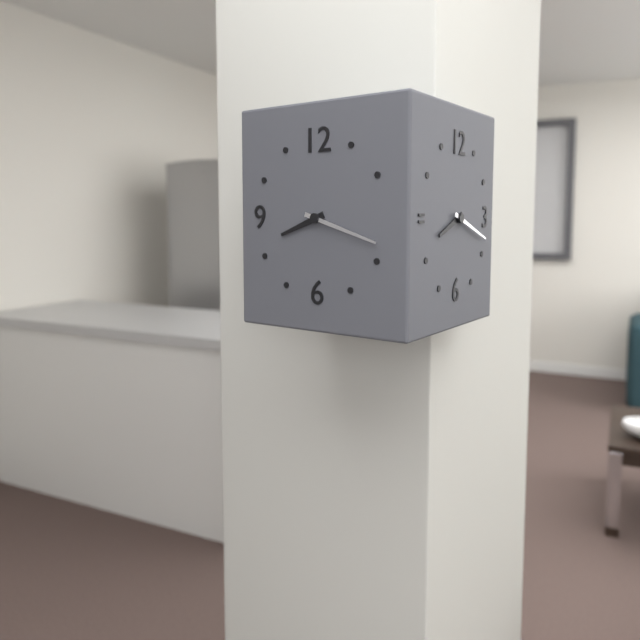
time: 8:18
